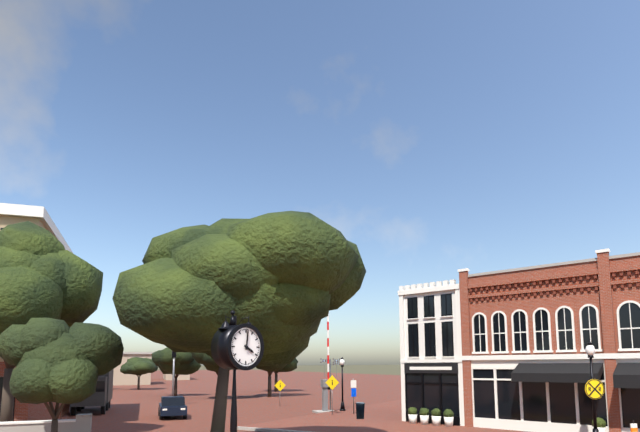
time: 4:01
